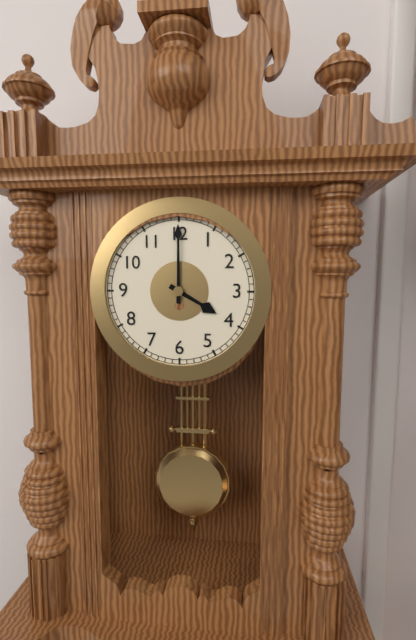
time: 4:00
